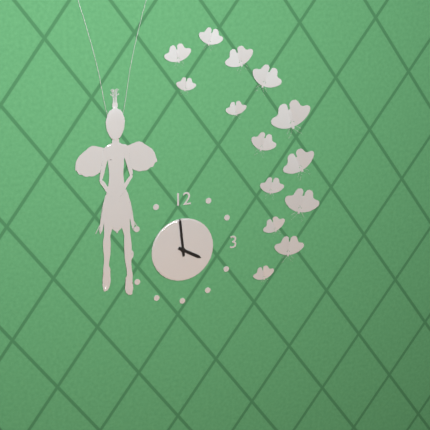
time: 3:59
